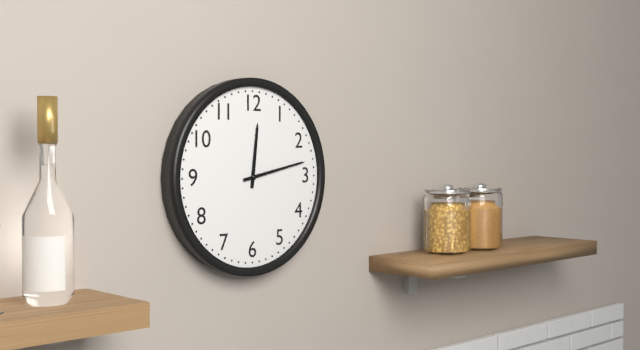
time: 12:13
